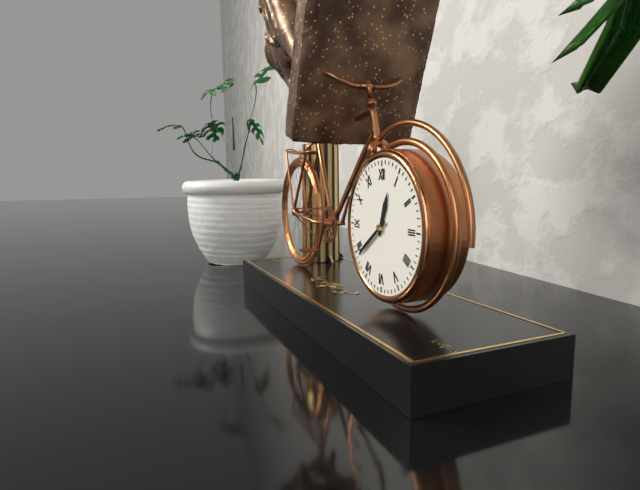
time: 12:39
